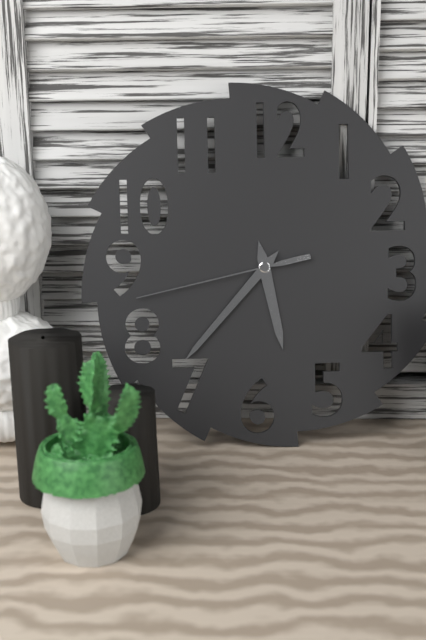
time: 5:37:43
